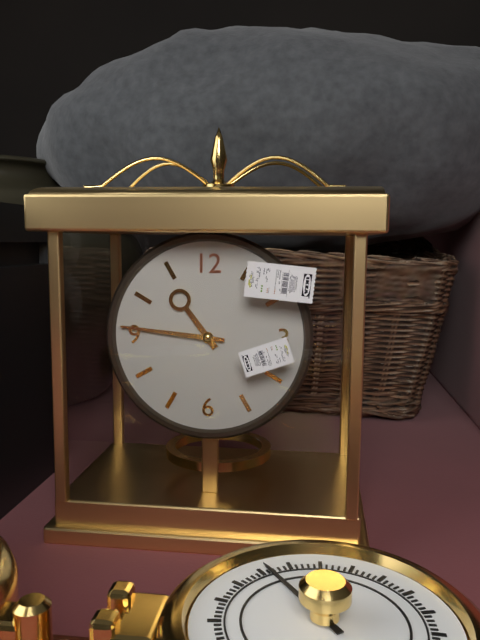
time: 10:46
